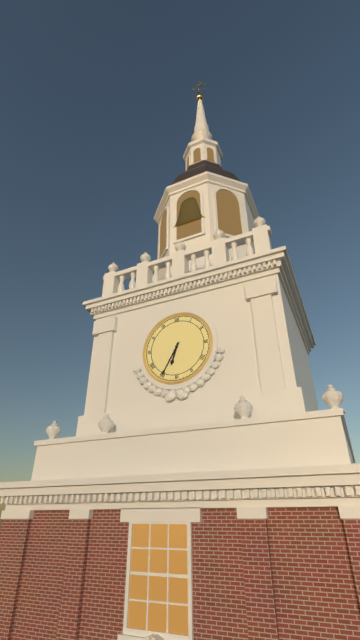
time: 6:35
